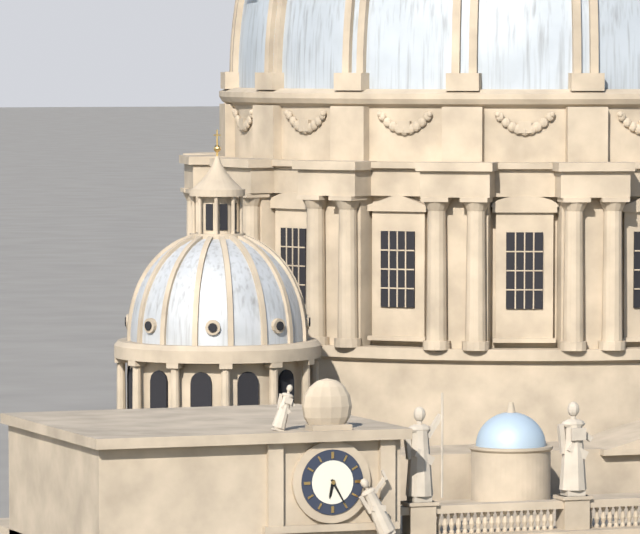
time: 6:25
